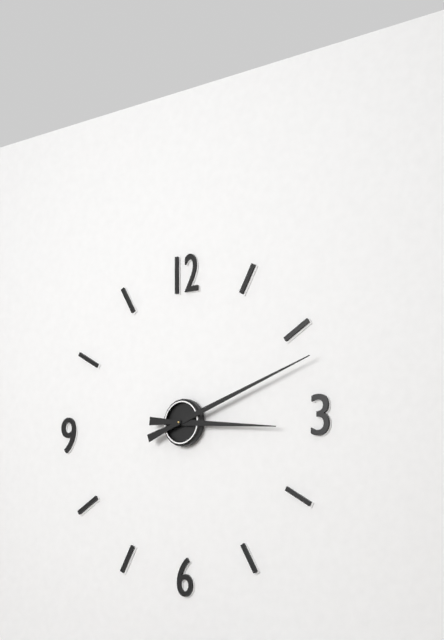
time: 3:12
